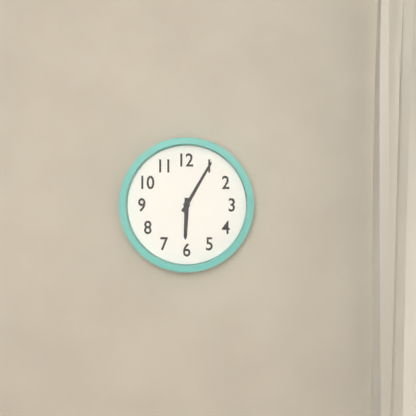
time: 6:05
